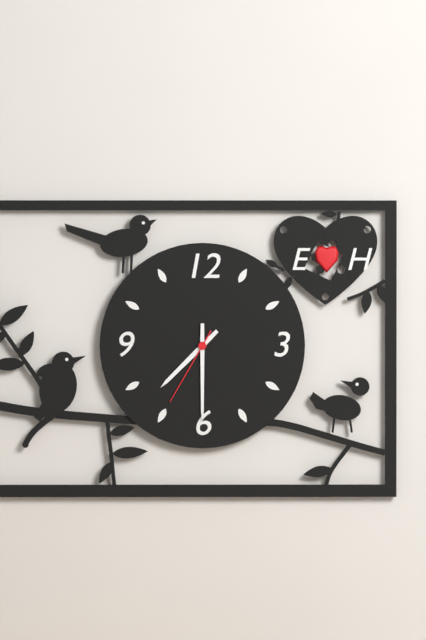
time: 7:30:35
